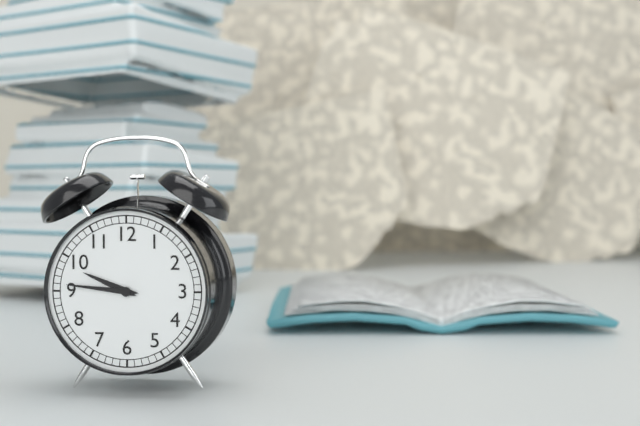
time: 9:46
